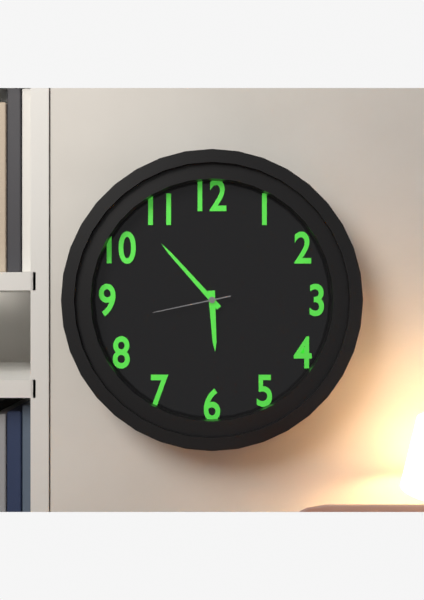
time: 5:53:43
